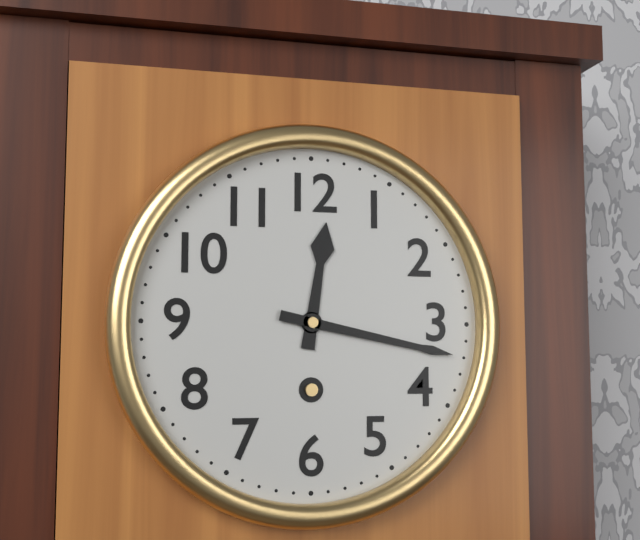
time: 12:17
